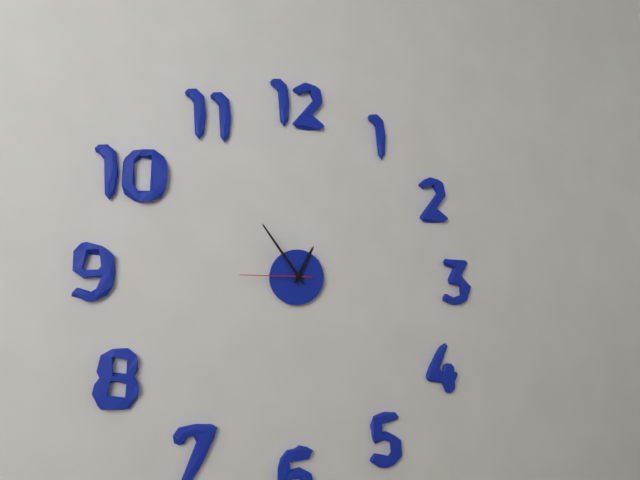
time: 12:54:45
